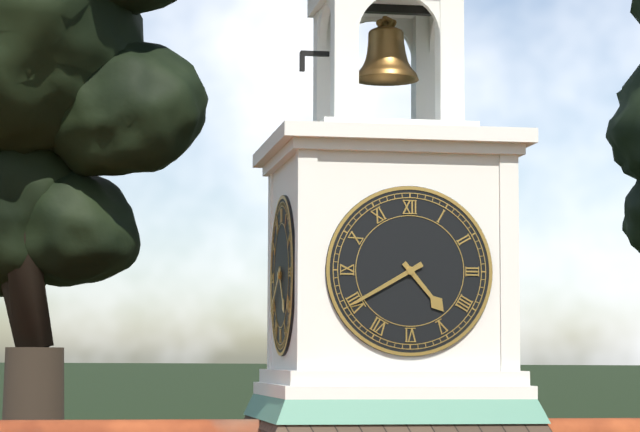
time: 4:40
